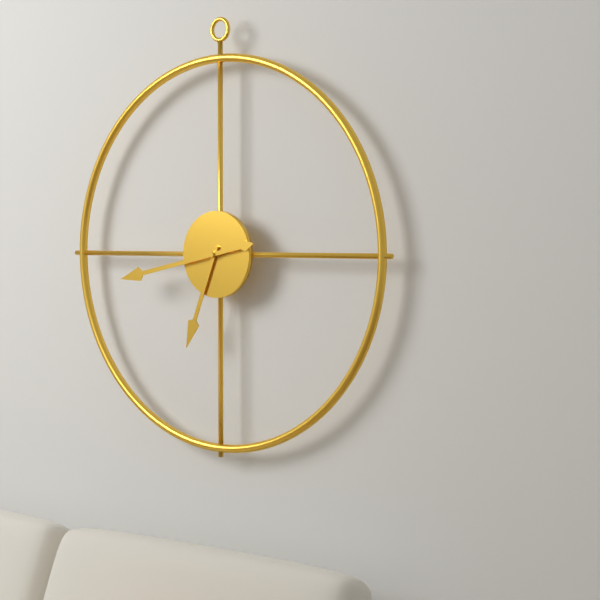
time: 6:43
